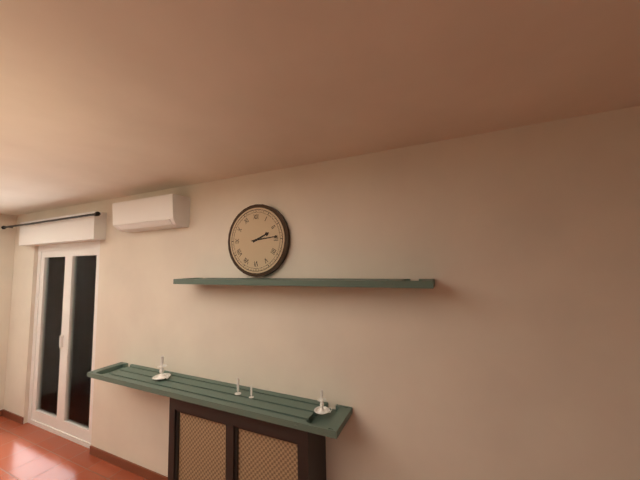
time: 2:14
